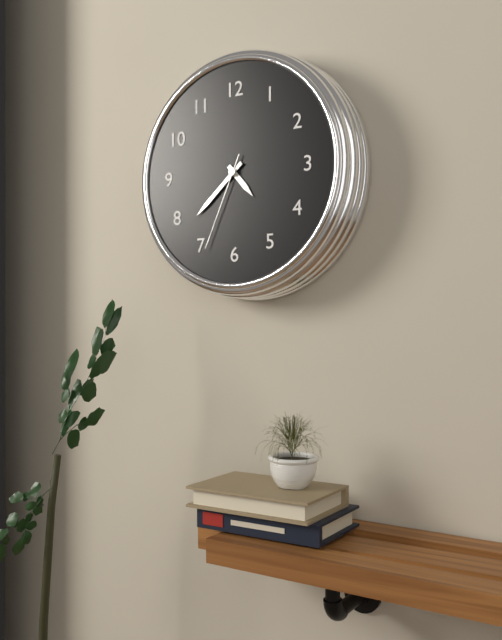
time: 4:38:34
